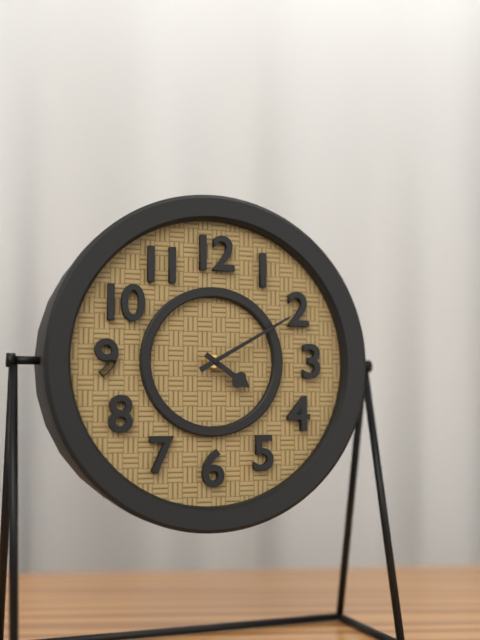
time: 4:10
